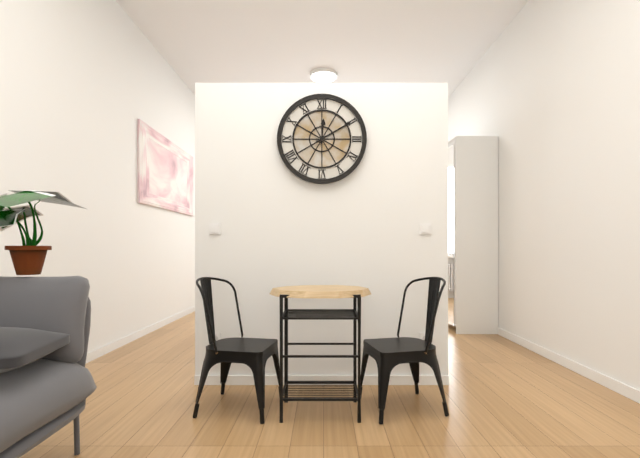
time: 12:10
